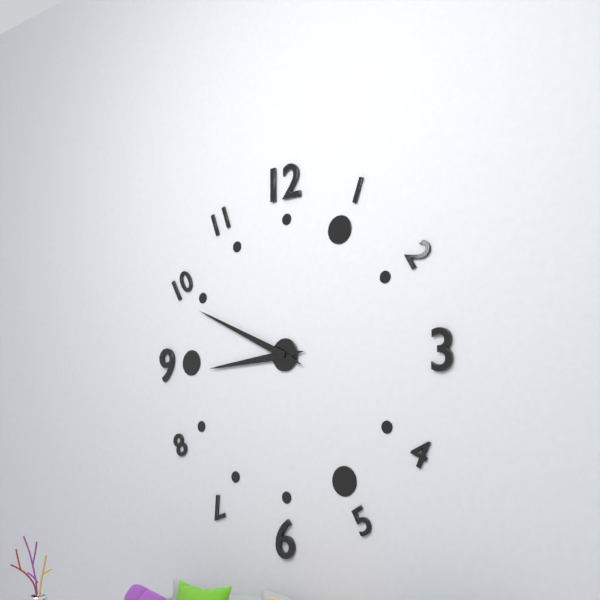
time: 8:49
